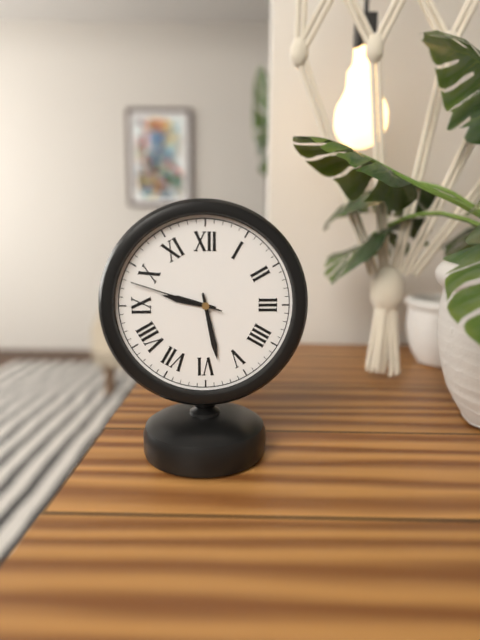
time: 9:28:48
